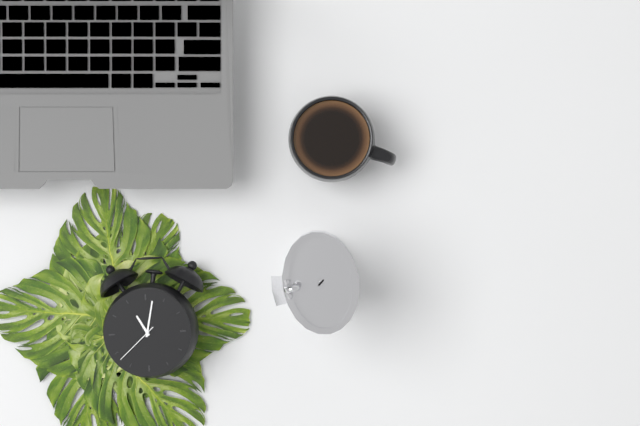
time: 11:02
